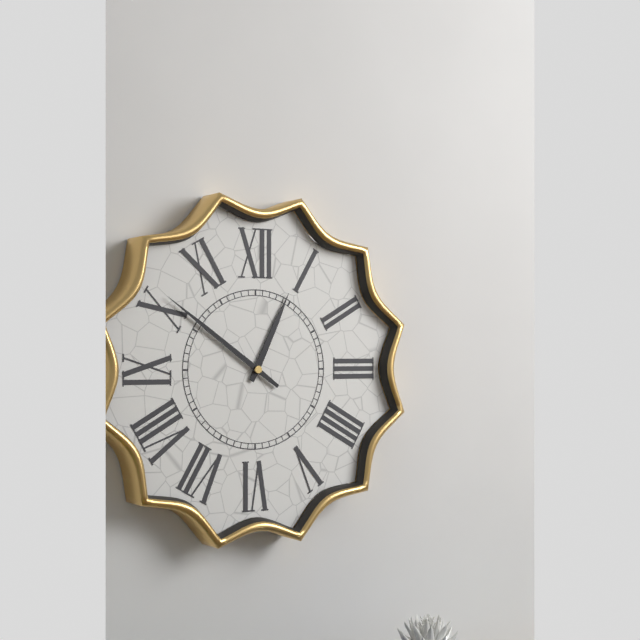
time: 12:51
